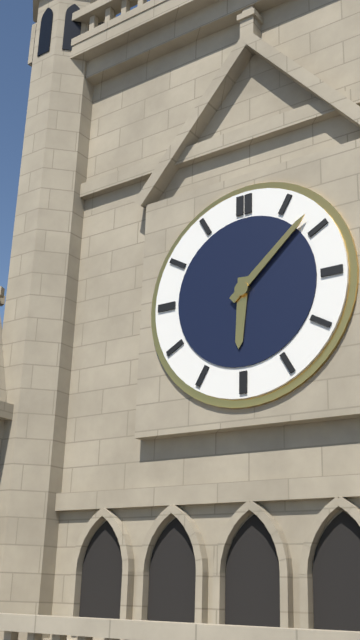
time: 6:08
